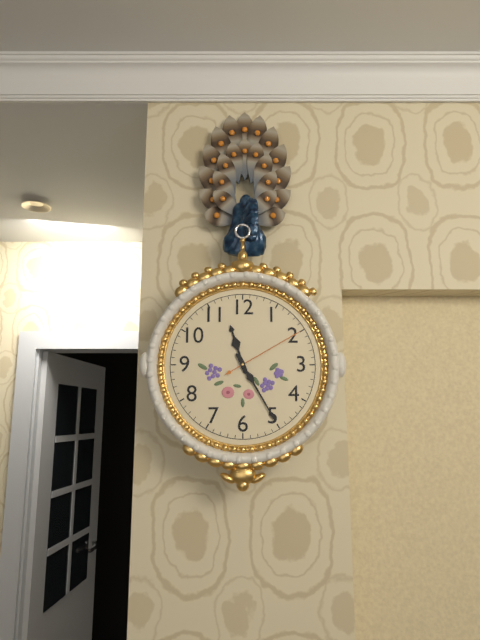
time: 11:25:10
